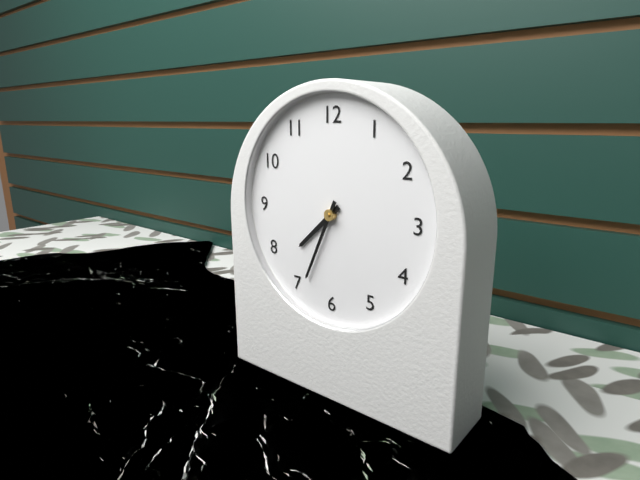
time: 7:34
